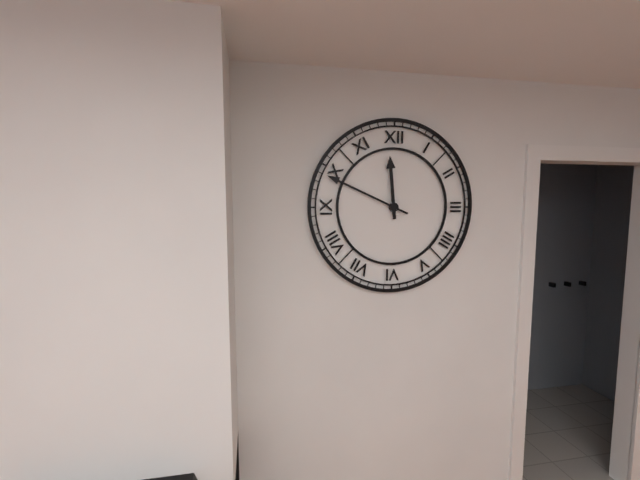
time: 11:49
